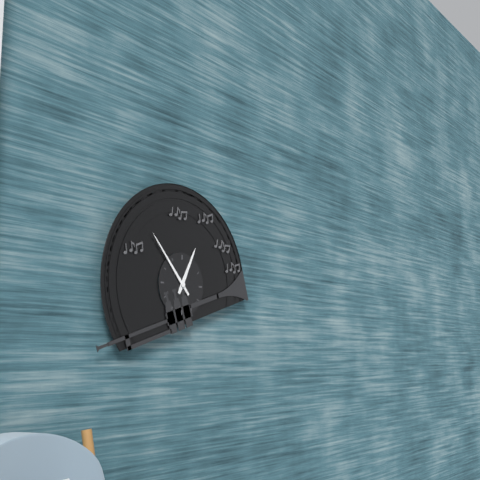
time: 12:53
